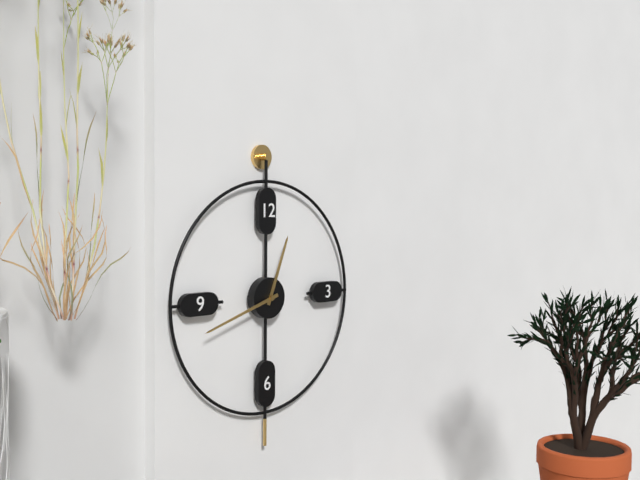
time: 12:42
